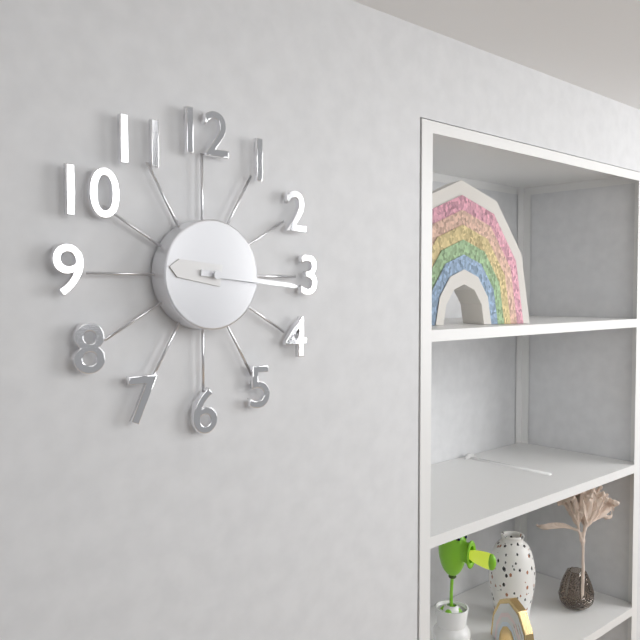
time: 9:16
